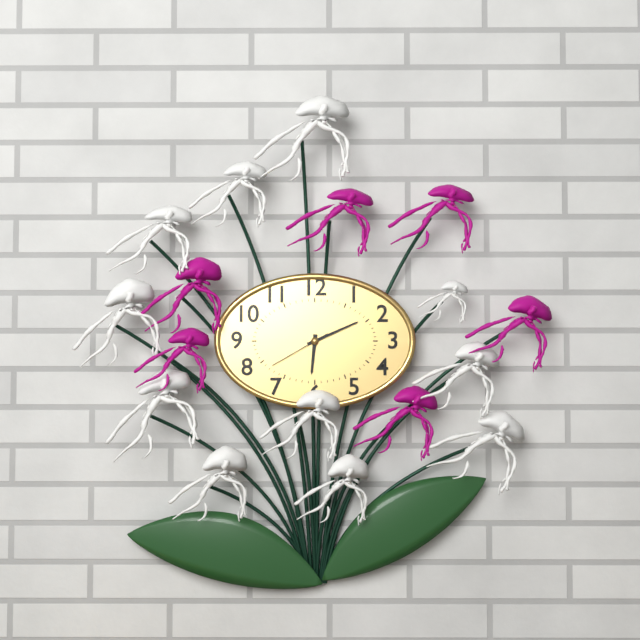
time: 6:11:40
